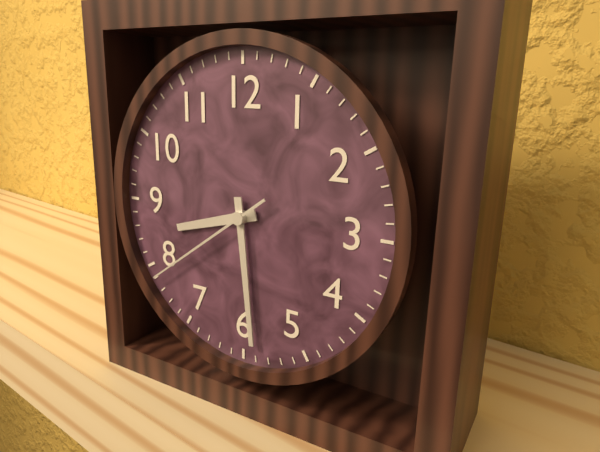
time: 8:29:39
